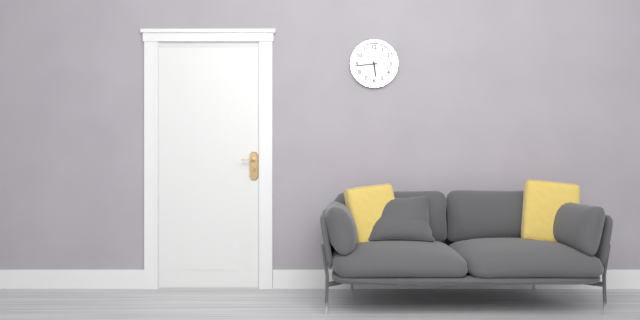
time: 5:44
